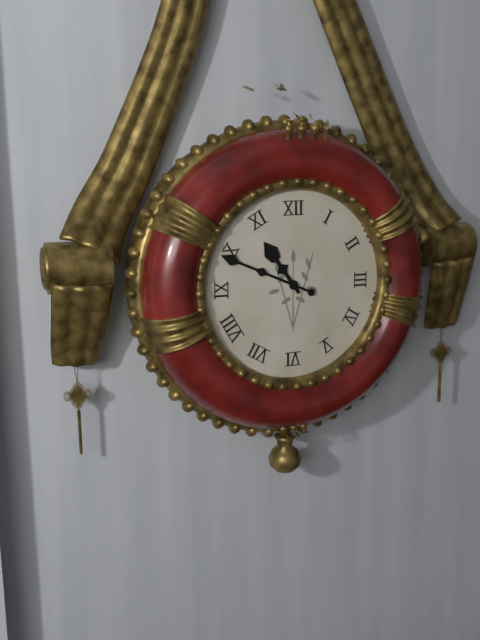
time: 10:49
